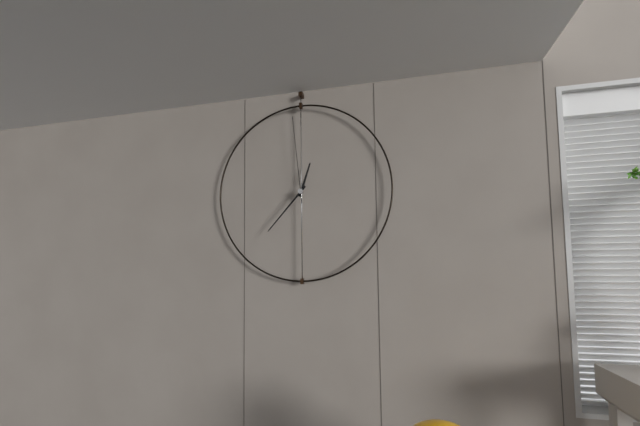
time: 12:37:59
